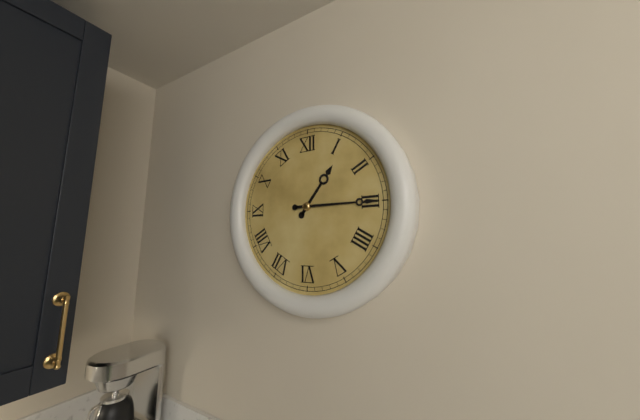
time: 1:15
